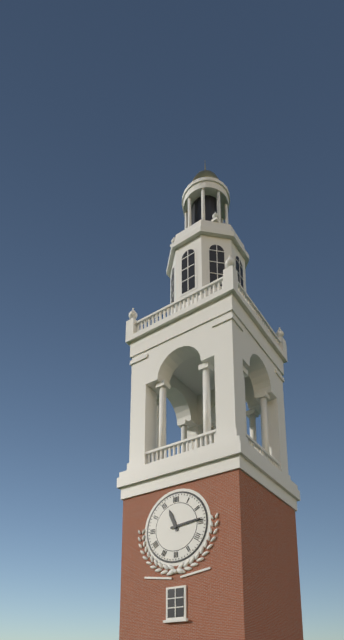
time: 11:14
